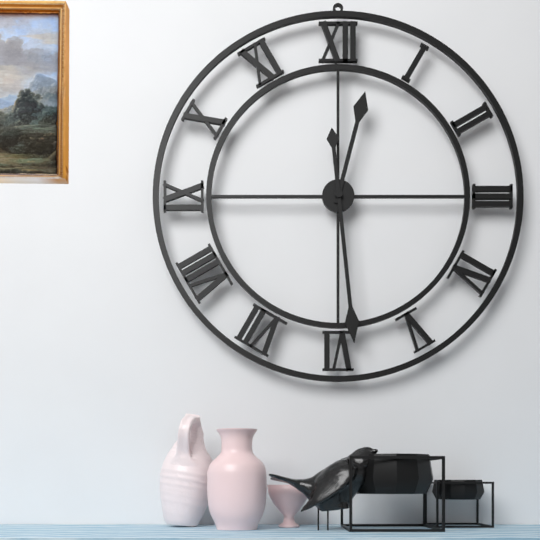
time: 12:29
